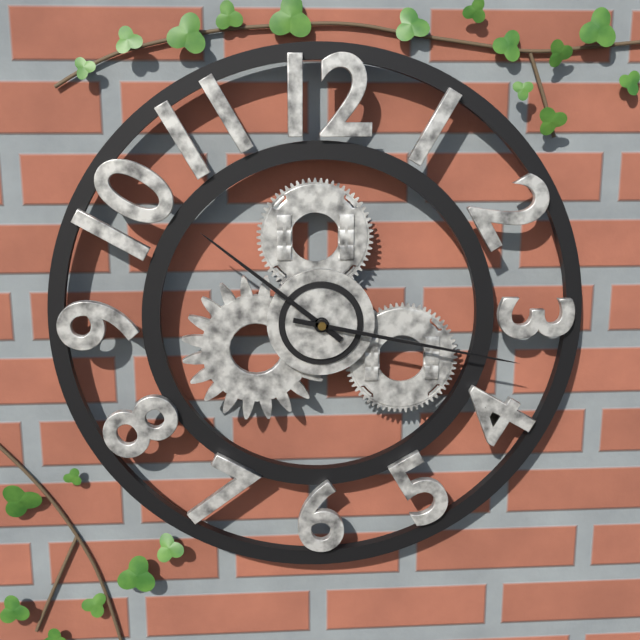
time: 10:17
